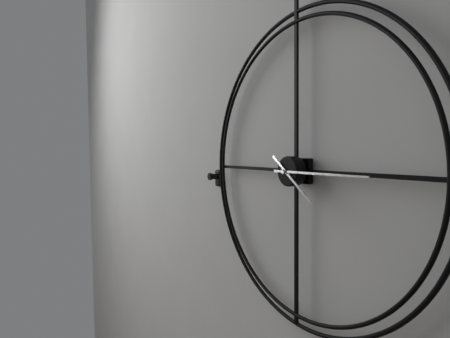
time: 4:15
